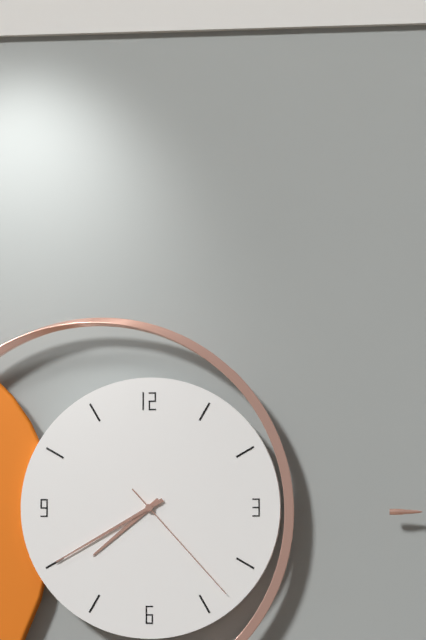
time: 7:40:23
